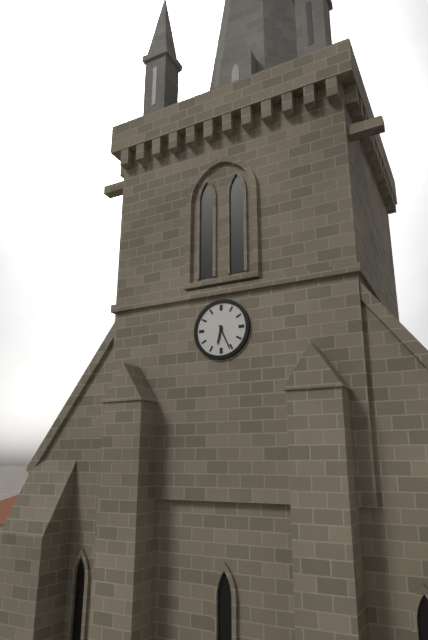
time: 6:26
